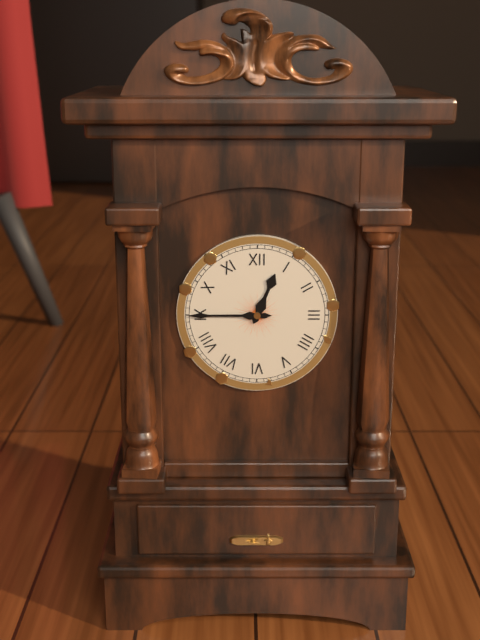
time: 12:45
